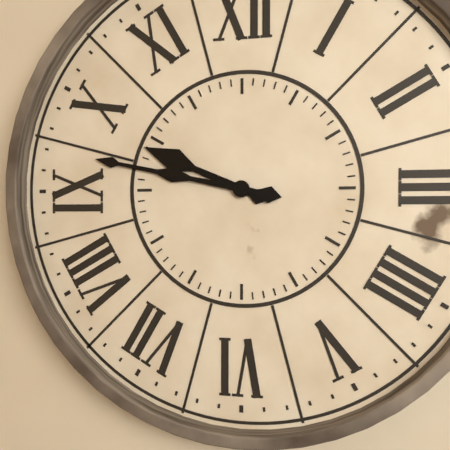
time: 9:47
